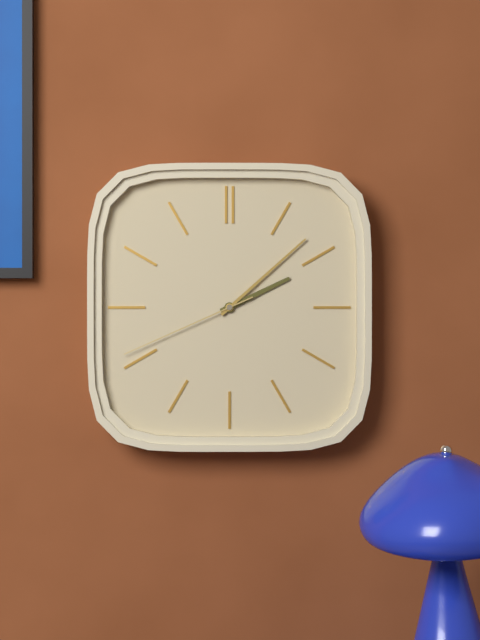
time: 2:08:41
